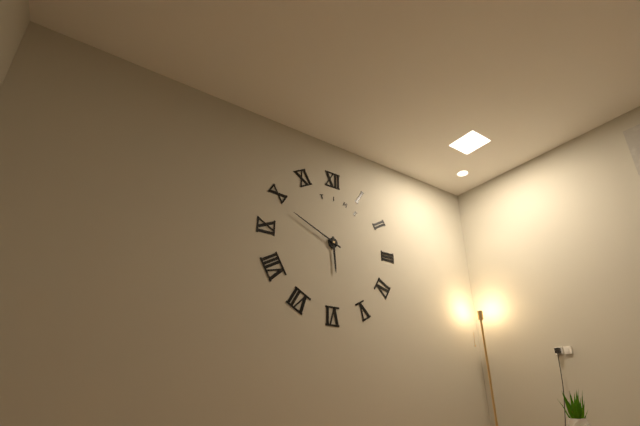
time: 5:49
